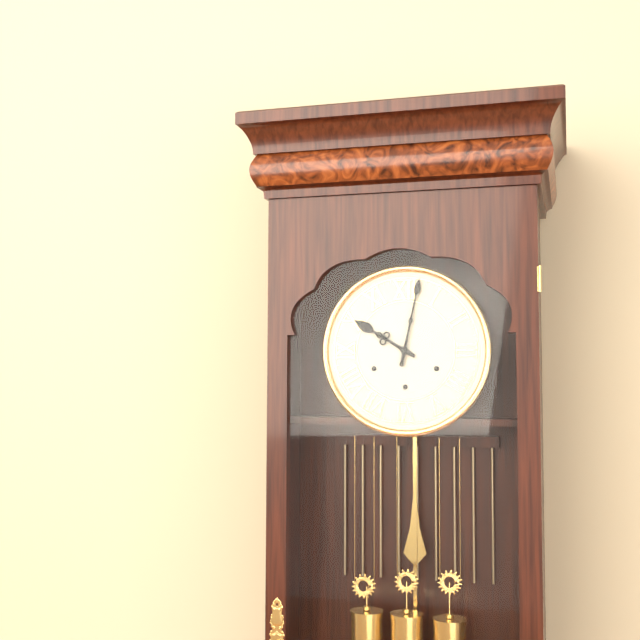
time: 10:02
